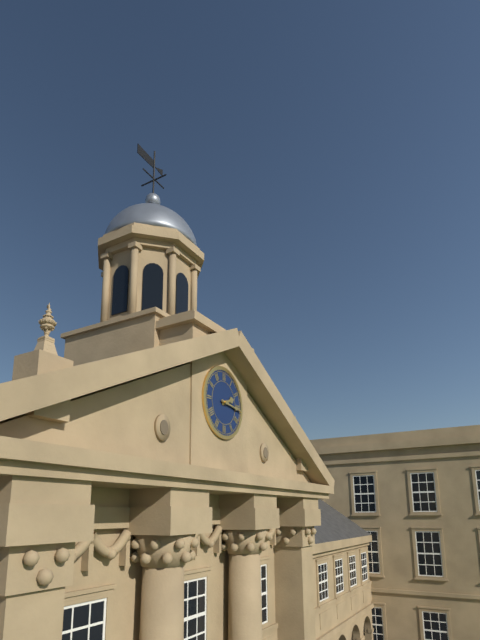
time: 2:16
